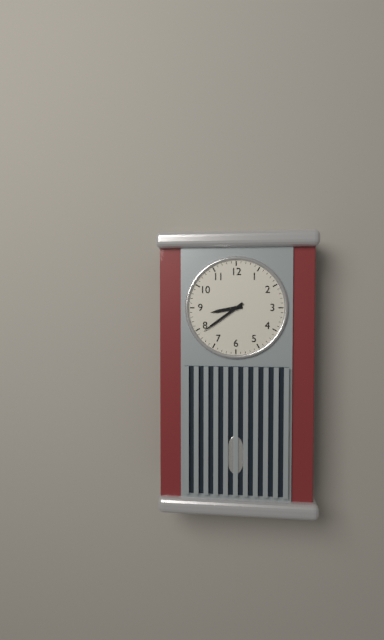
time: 8:39
